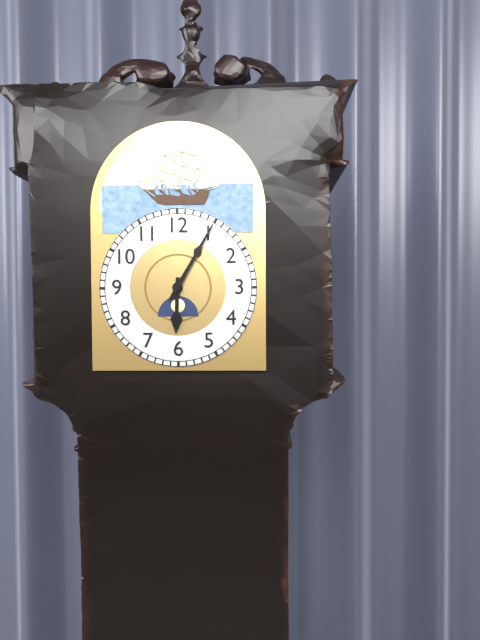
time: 6:05
